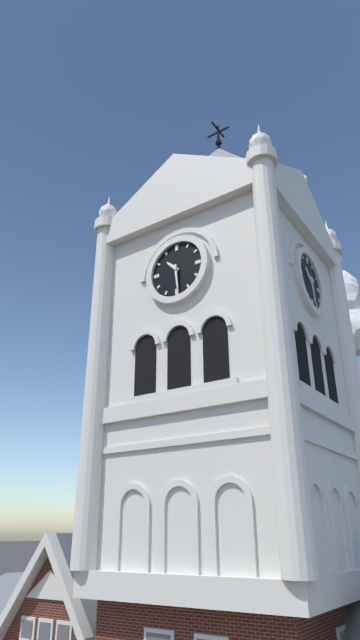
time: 10:29
